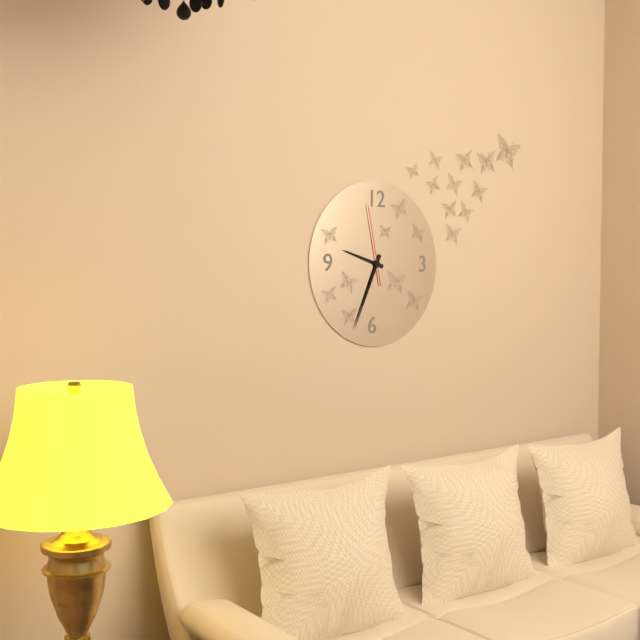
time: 9:34:58
